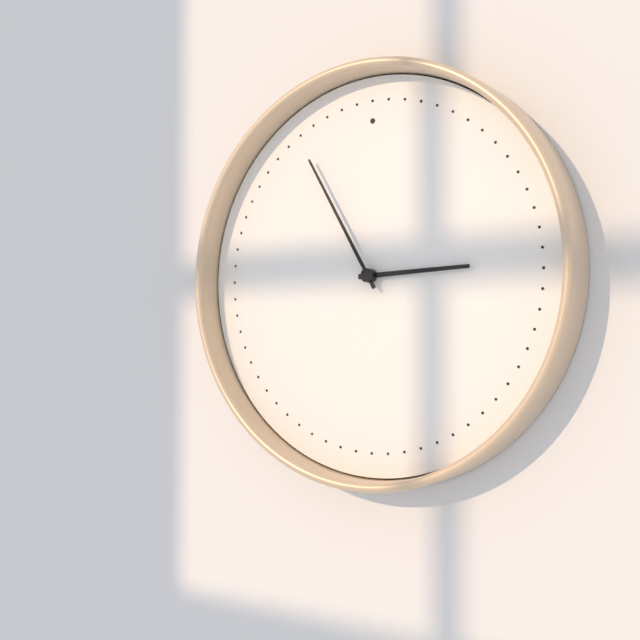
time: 2:55
